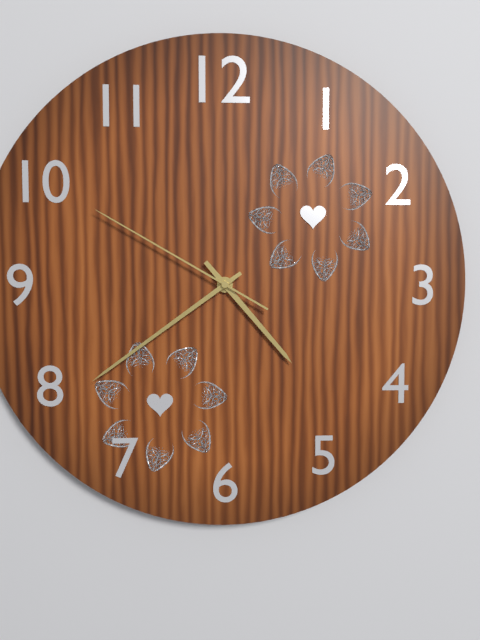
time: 4:39:50
